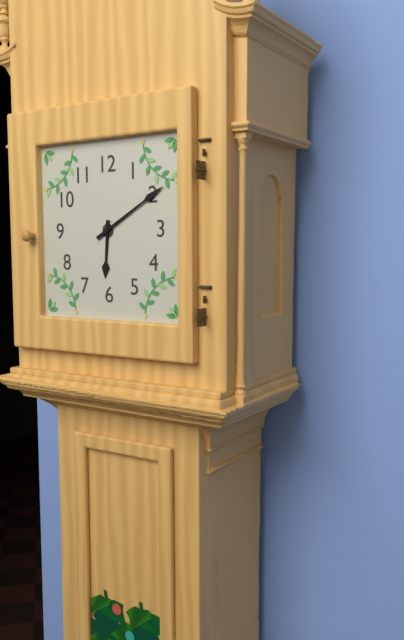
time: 6:10
